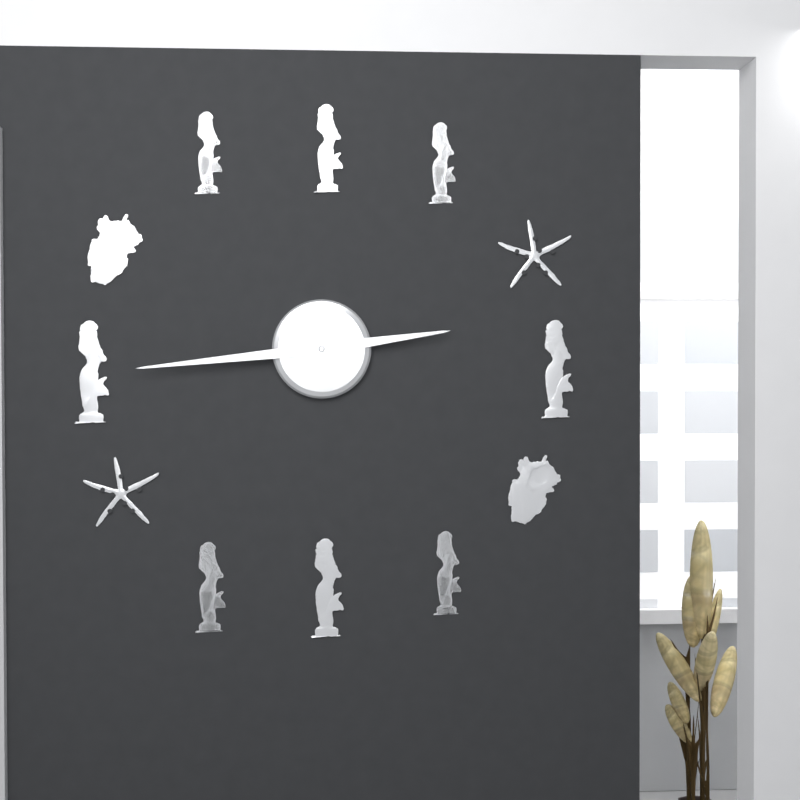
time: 2:44
